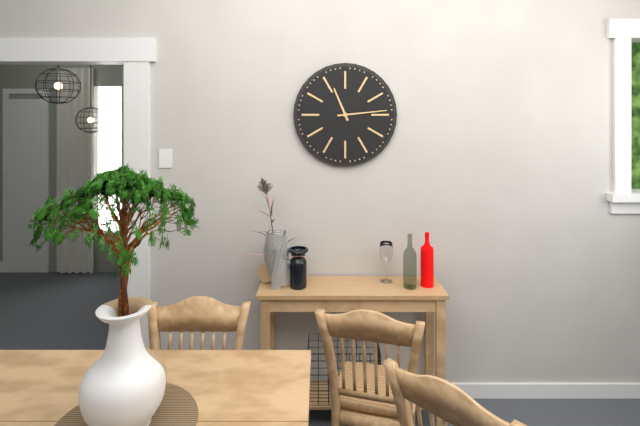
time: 11:14
